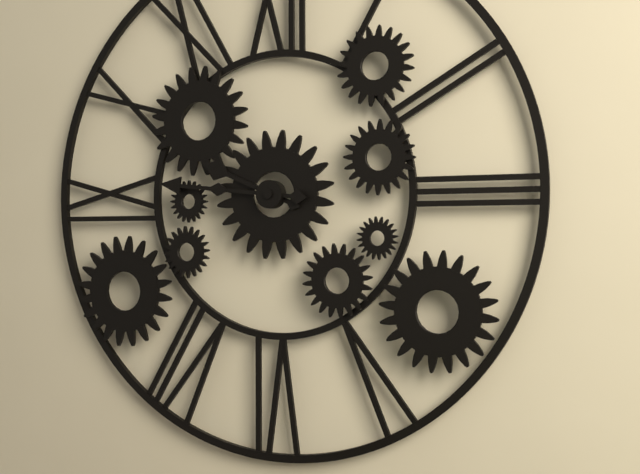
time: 9:46
